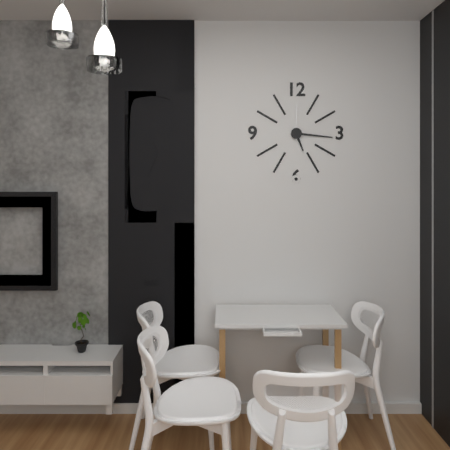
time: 5:16
